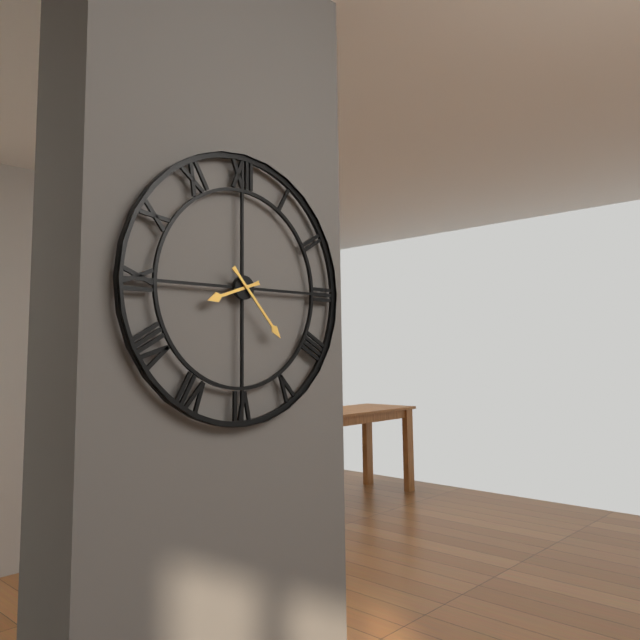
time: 8:23
